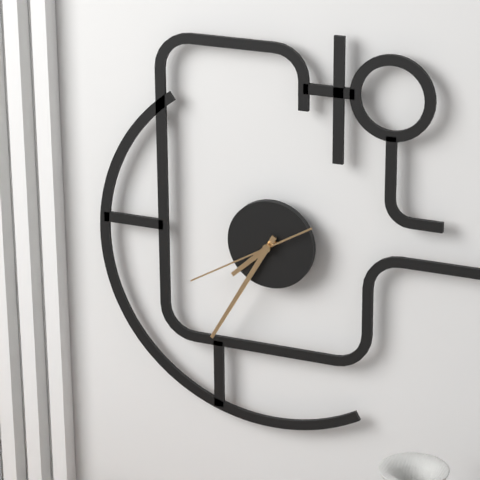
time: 7:35:40
